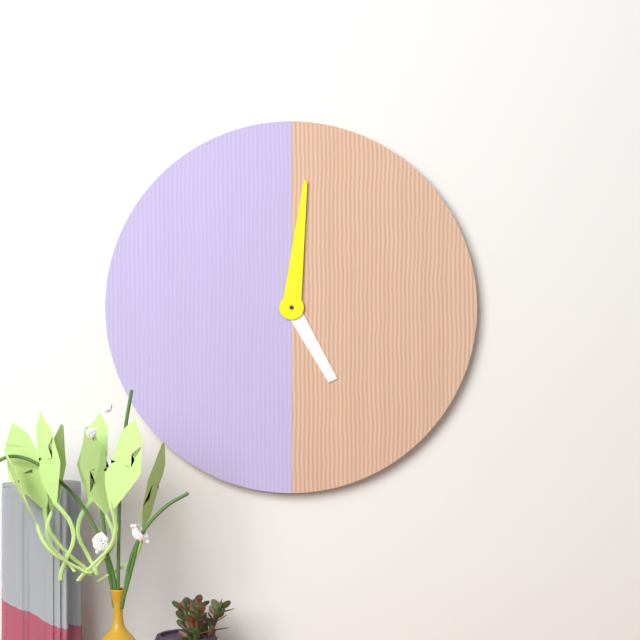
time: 5:01
